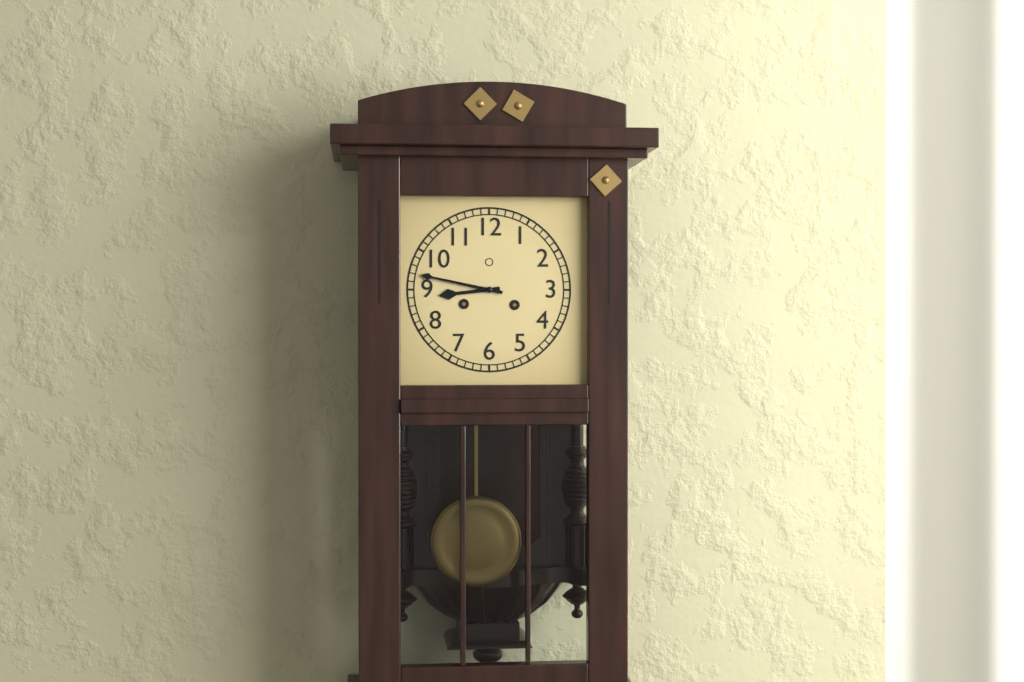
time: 8:47
